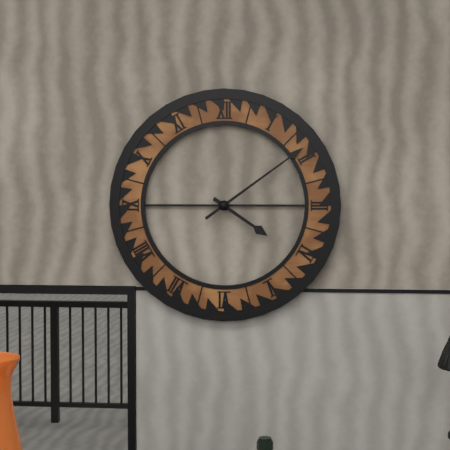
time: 4:09
